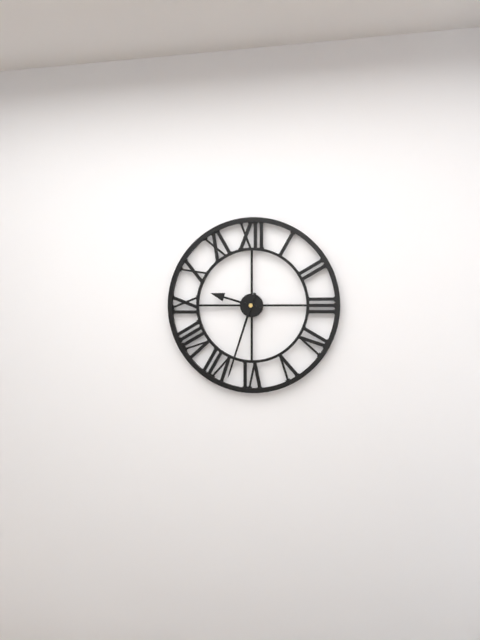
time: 9:33
